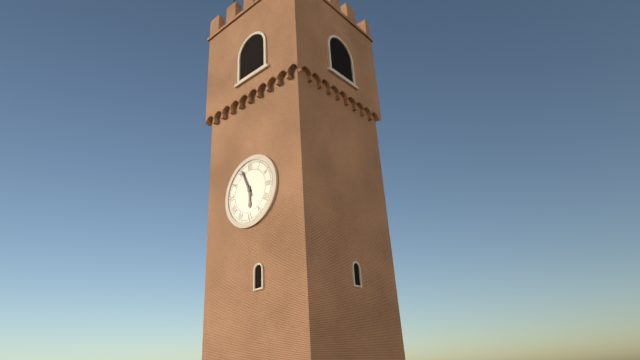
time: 5:56
